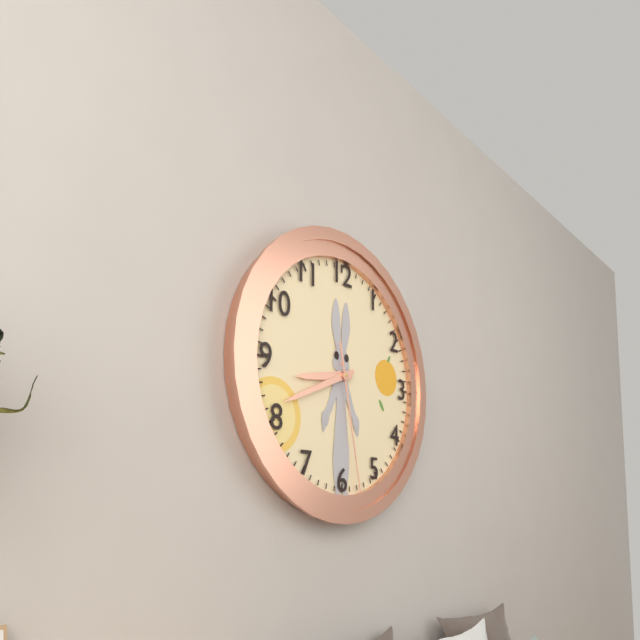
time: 8:41:28
